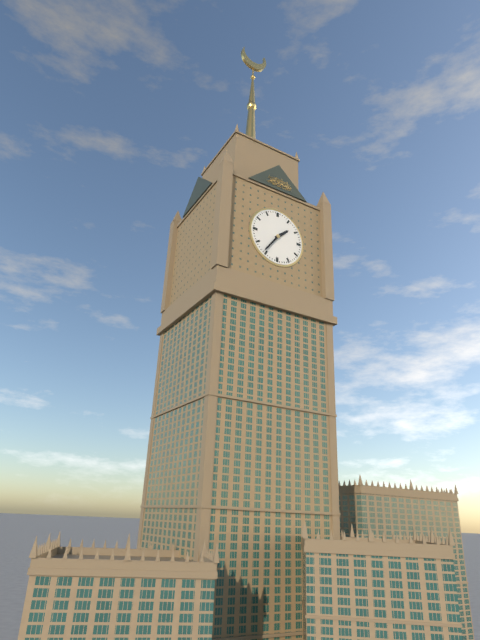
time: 1:36
